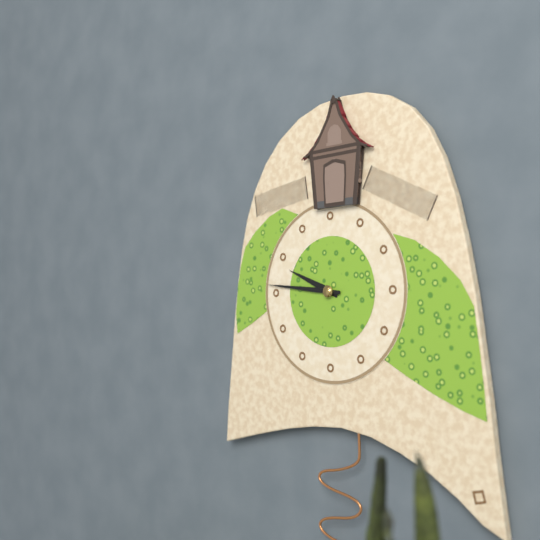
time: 9:46
